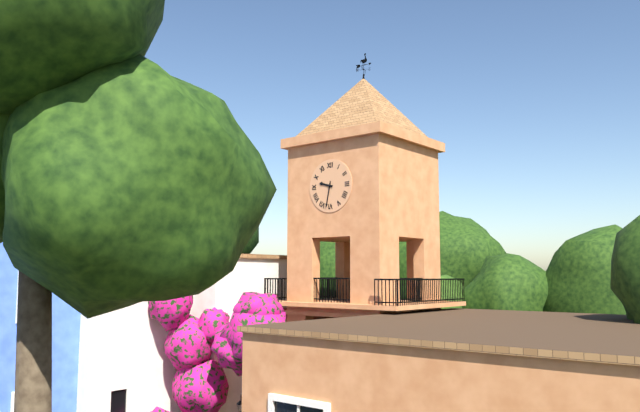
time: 9:32
